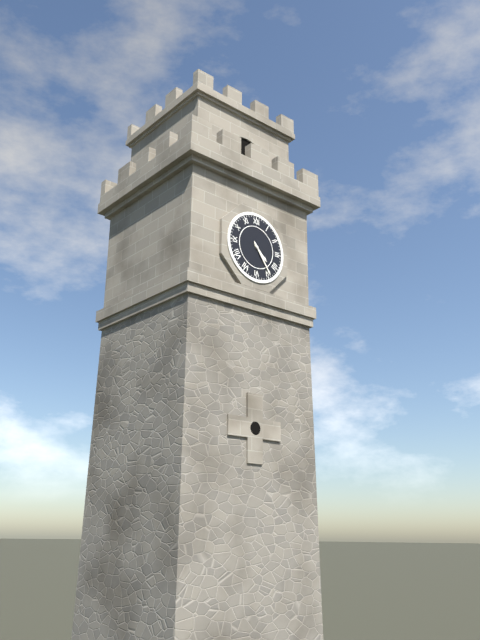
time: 4:24
